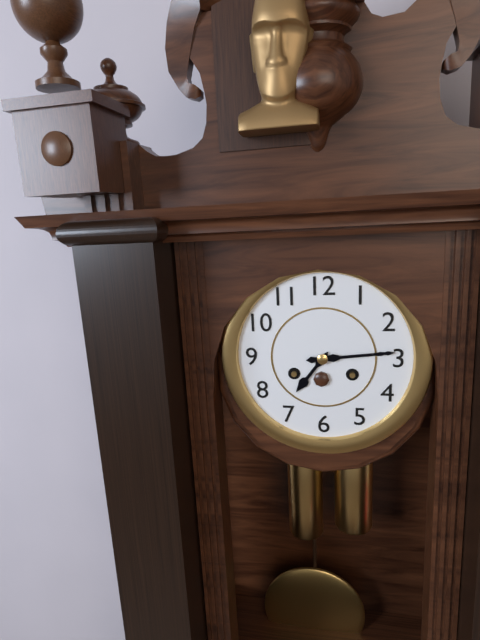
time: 7:14
